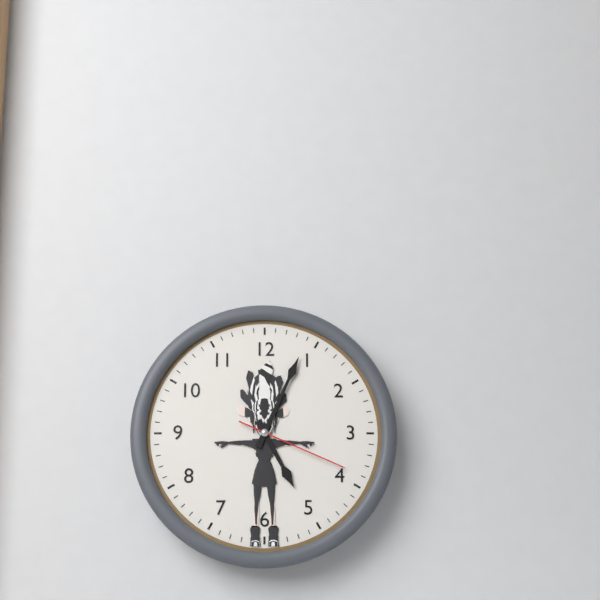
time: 5:04:19
